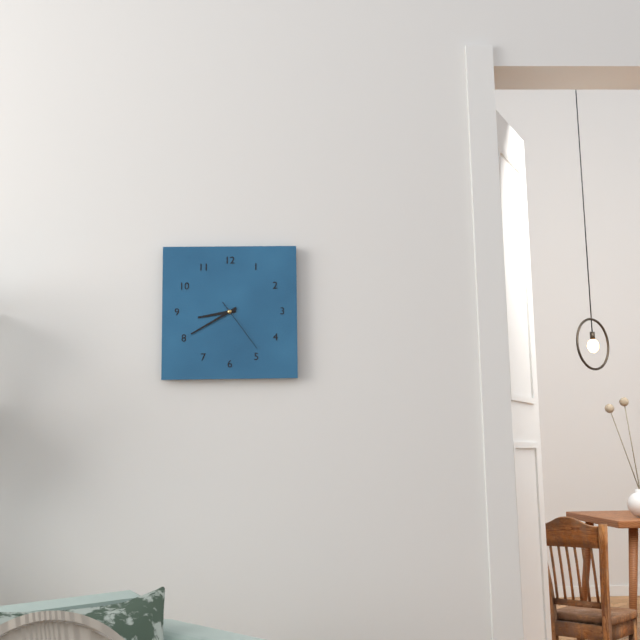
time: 8:40:24
